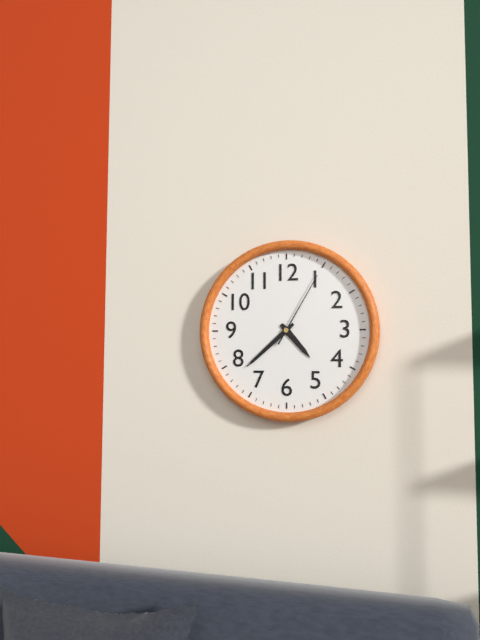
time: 4:38:05
